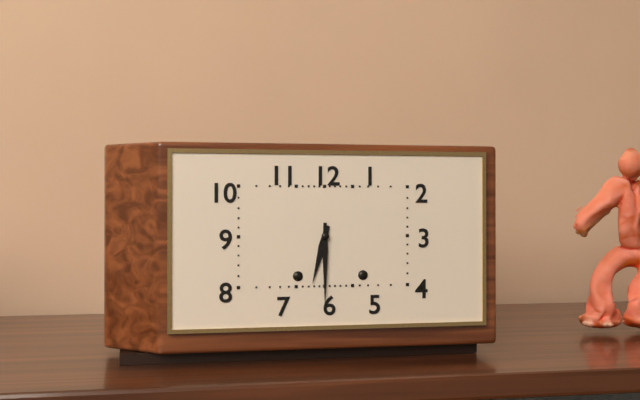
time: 6:30
